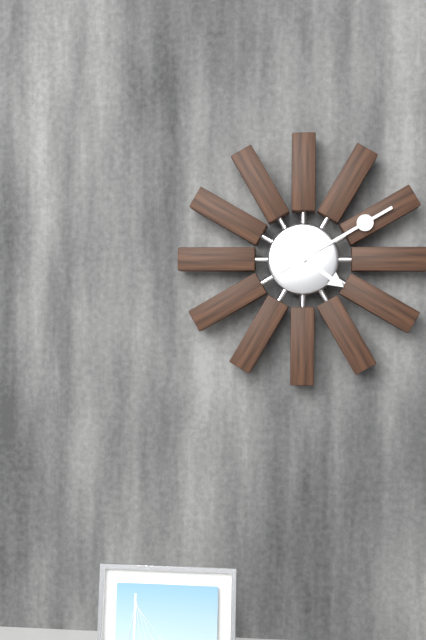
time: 4:10
